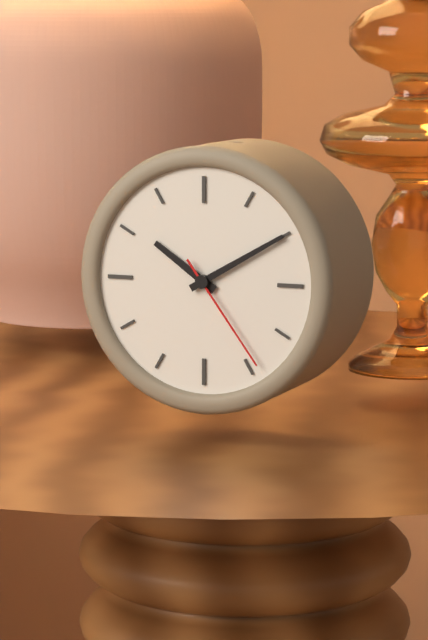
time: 10:10:24
